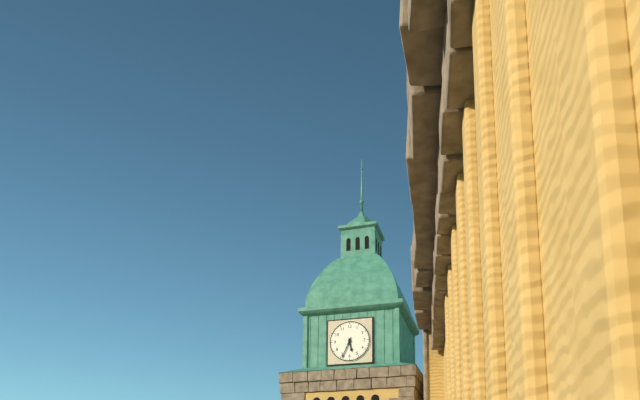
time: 5:34
